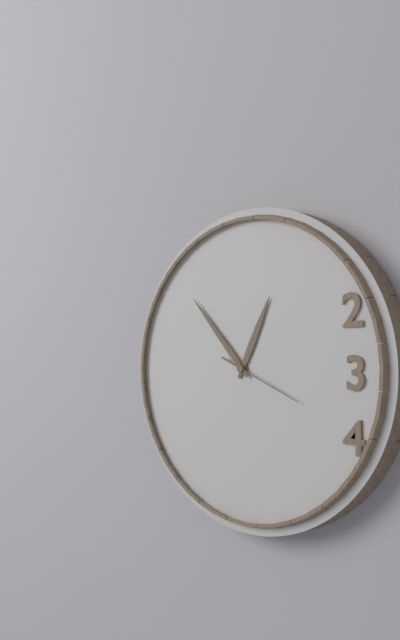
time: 12:53:19
